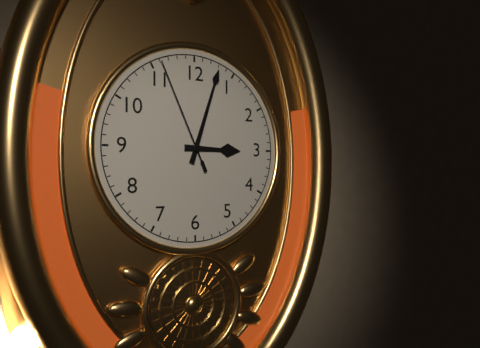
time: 3:03:56
